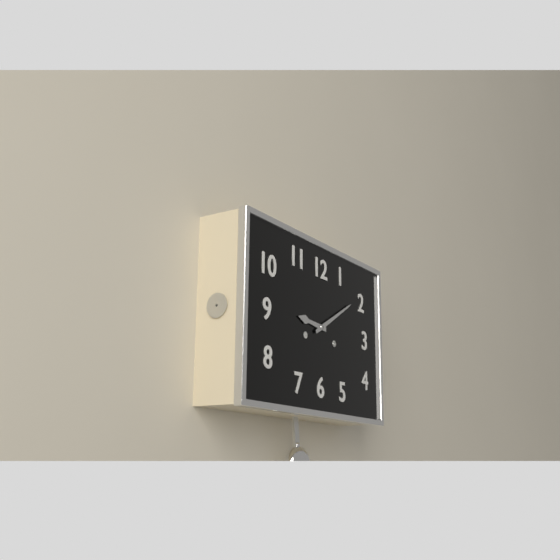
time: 9:10
